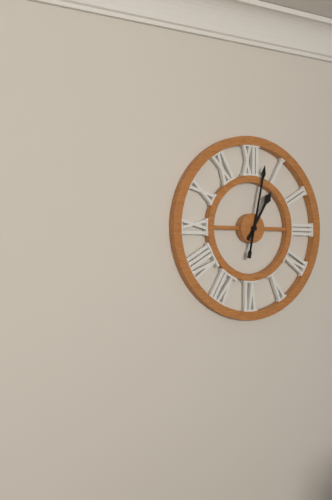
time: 1:02
